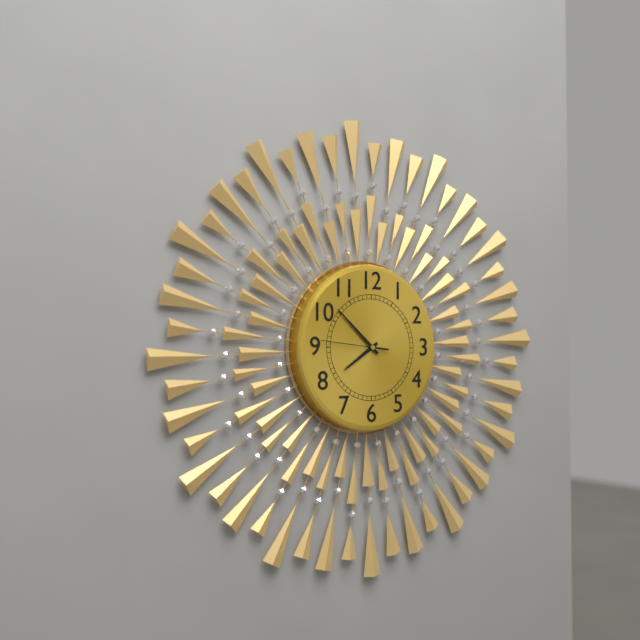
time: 7:52:46
